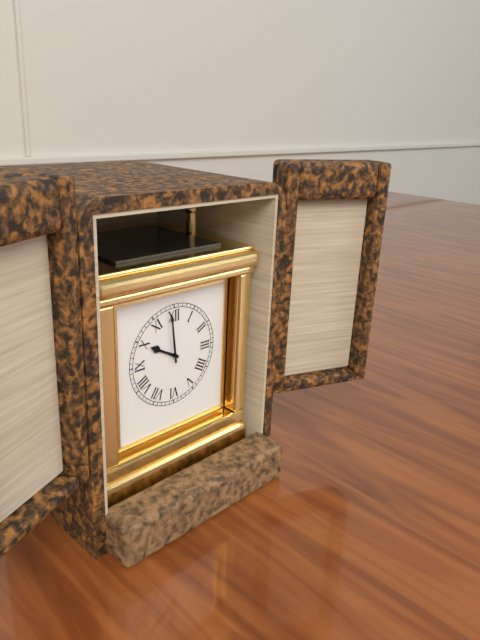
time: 9:59
